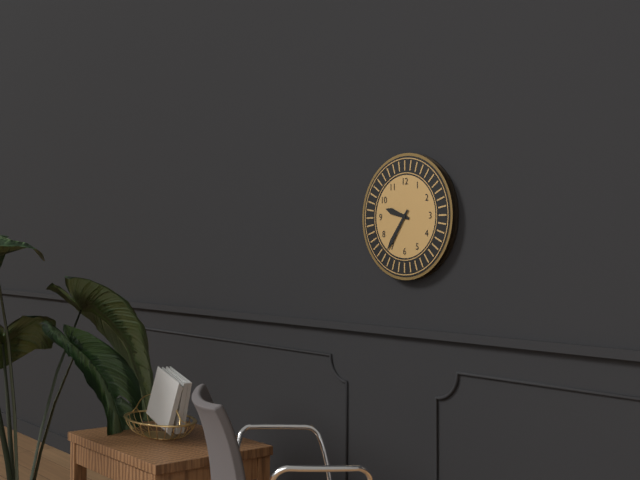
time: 9:36
